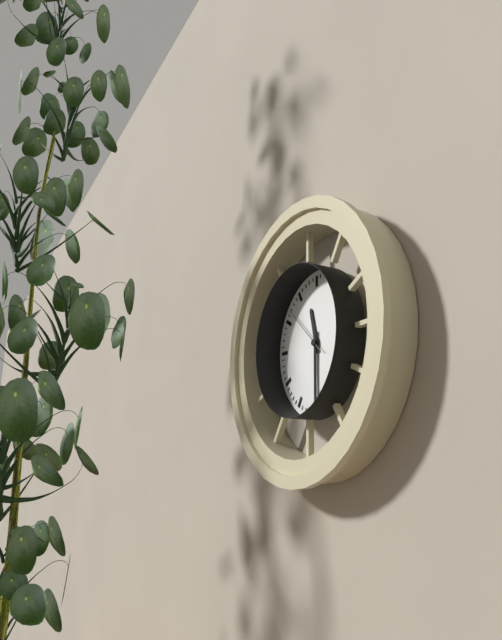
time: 11:30:52
